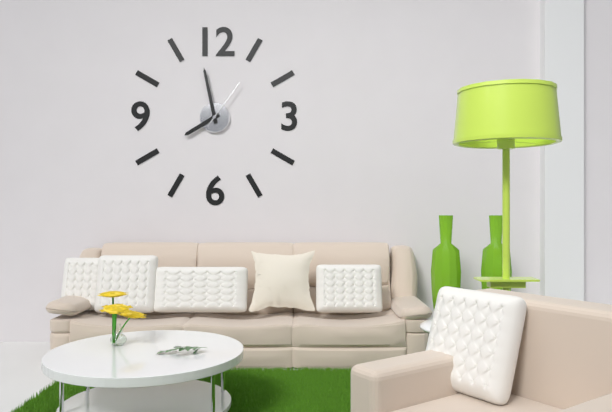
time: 7:58:06
